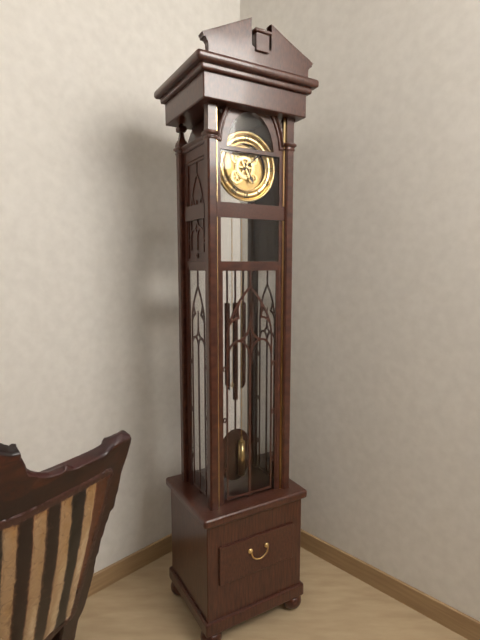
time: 5:08
